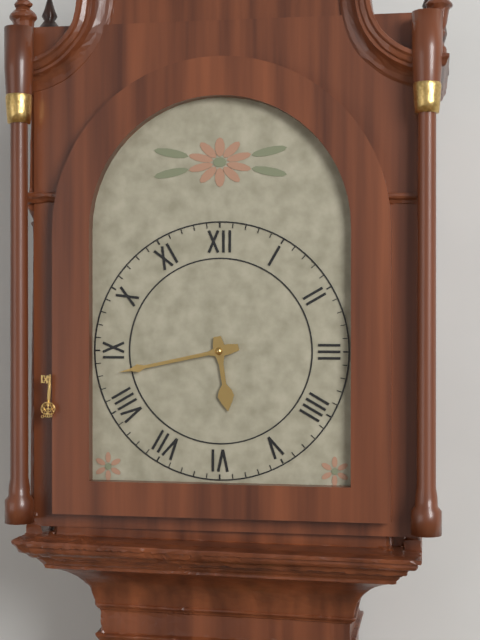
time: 5:43
